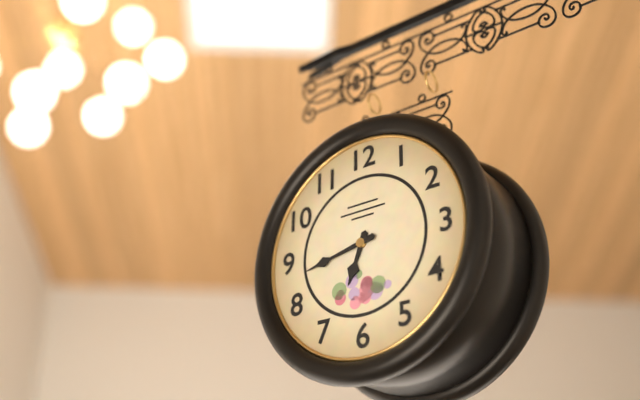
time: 6:43
